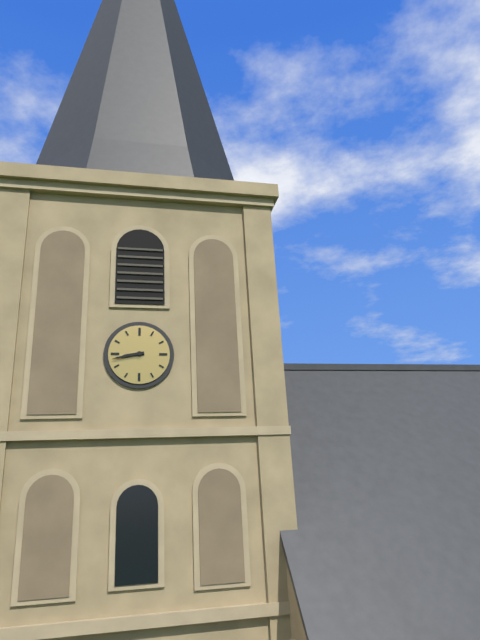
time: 8:43
